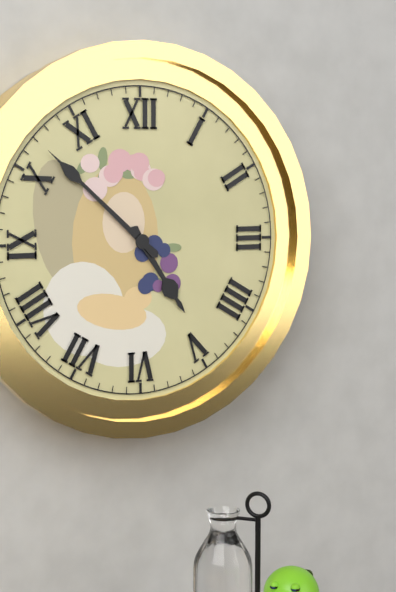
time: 4:52
